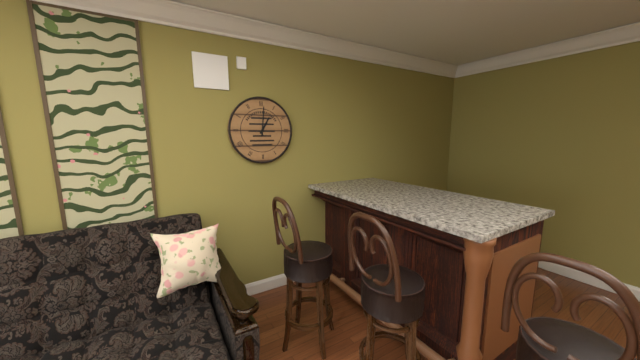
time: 1:01
